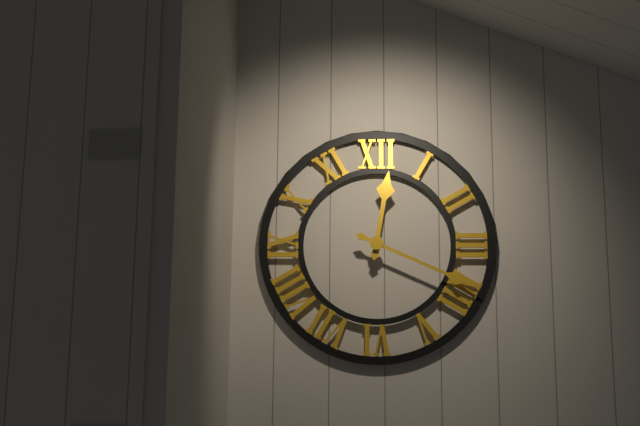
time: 12:19
